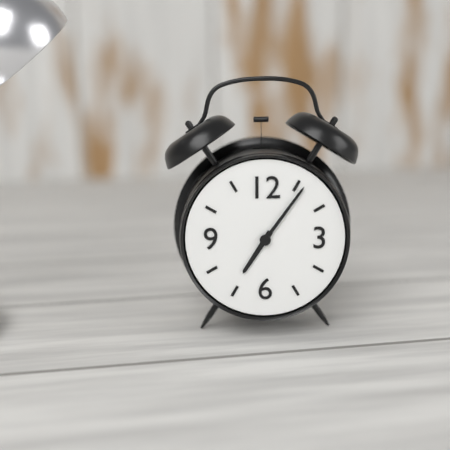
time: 7:06
